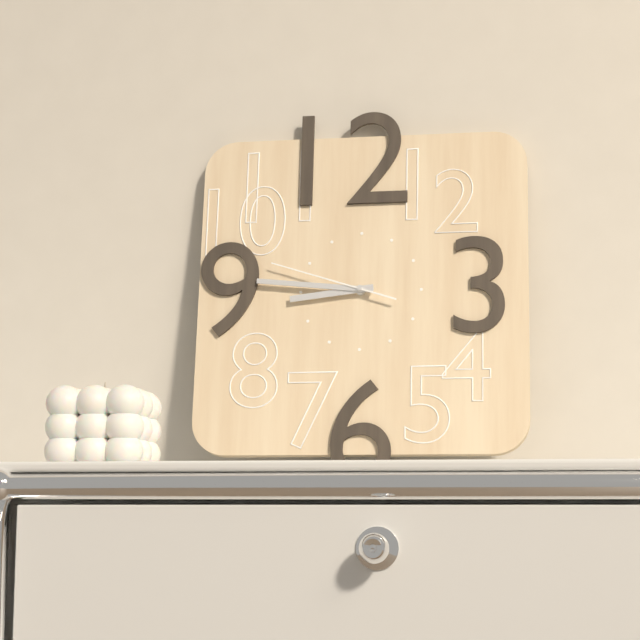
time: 8:46:48
